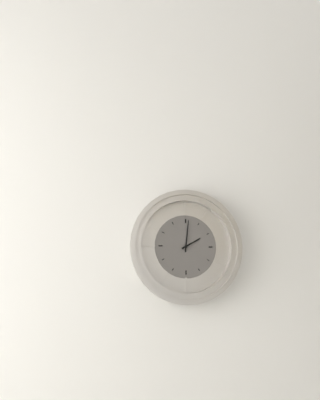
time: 2:01
